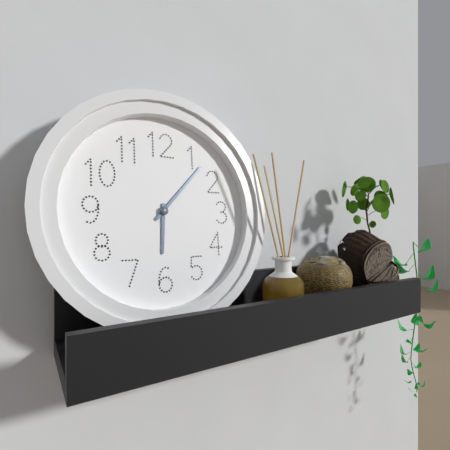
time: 6:07
